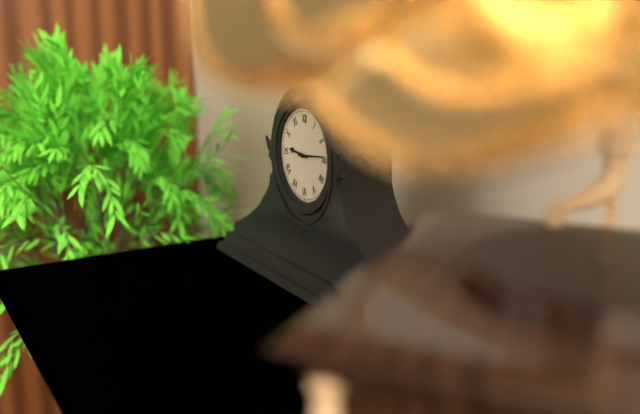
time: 9:14
